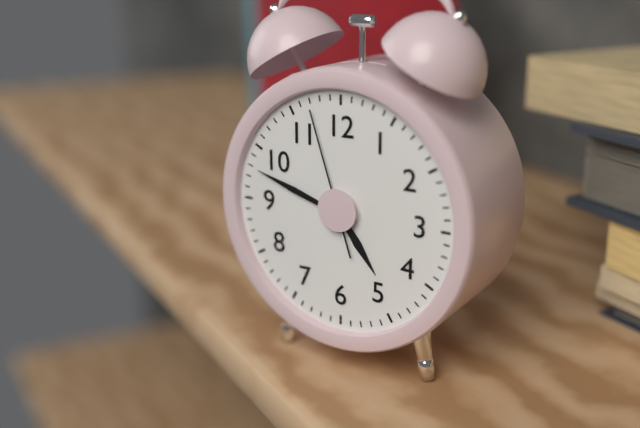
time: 4:48:57
